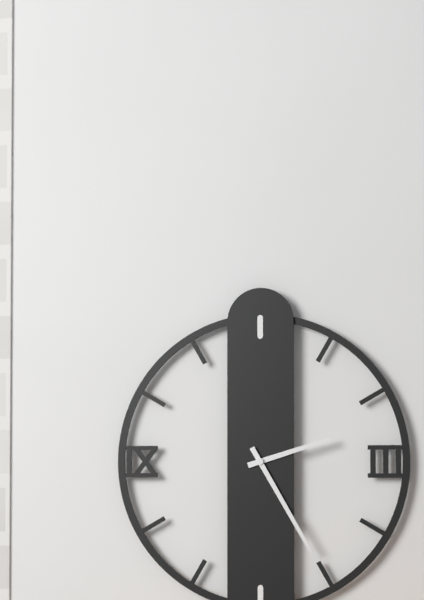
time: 2:25
